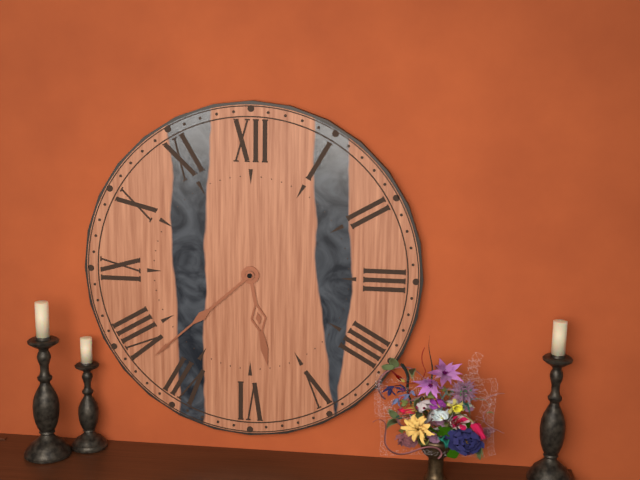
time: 5:38
